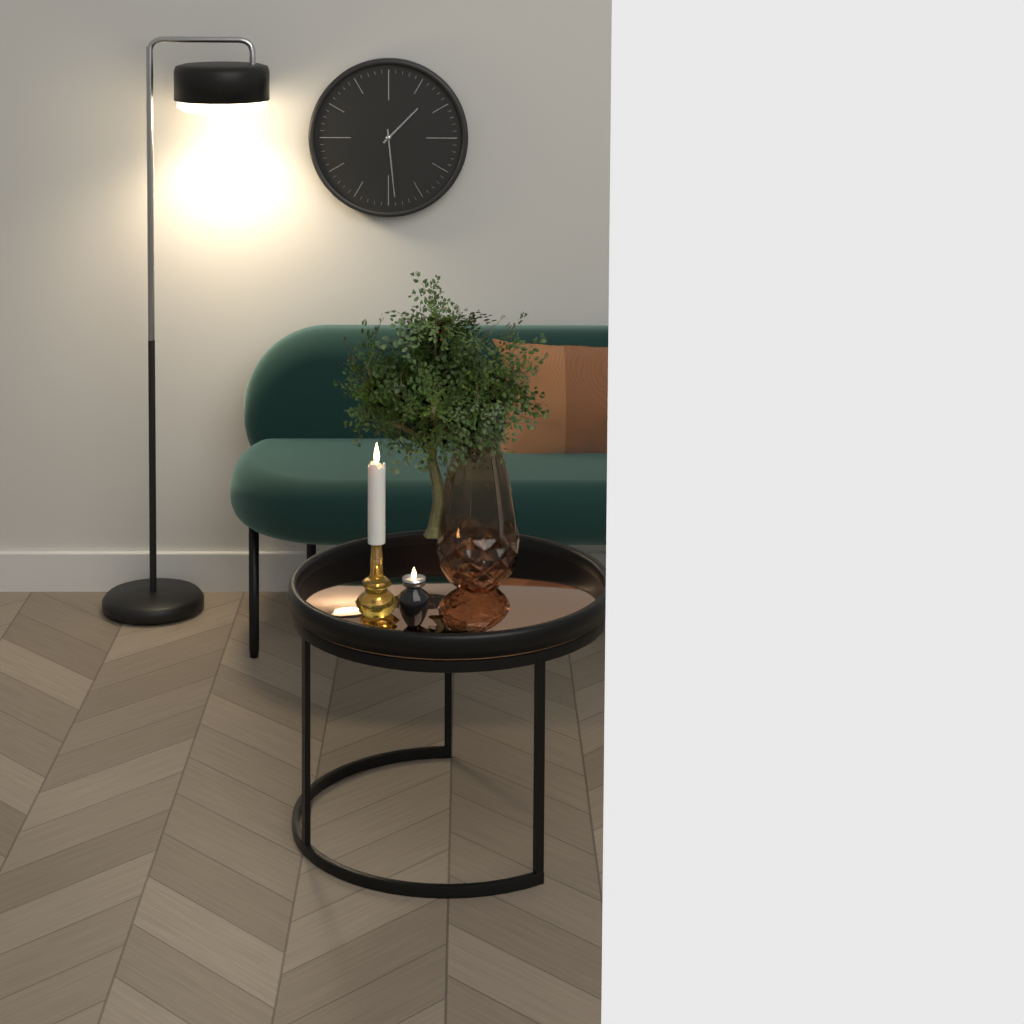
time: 1:29
